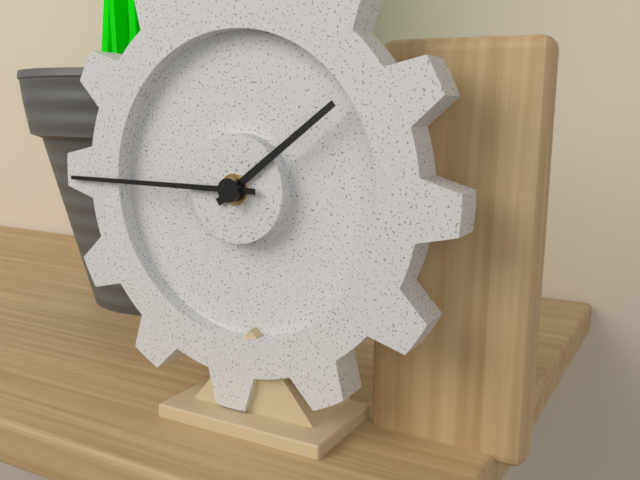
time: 1:45
